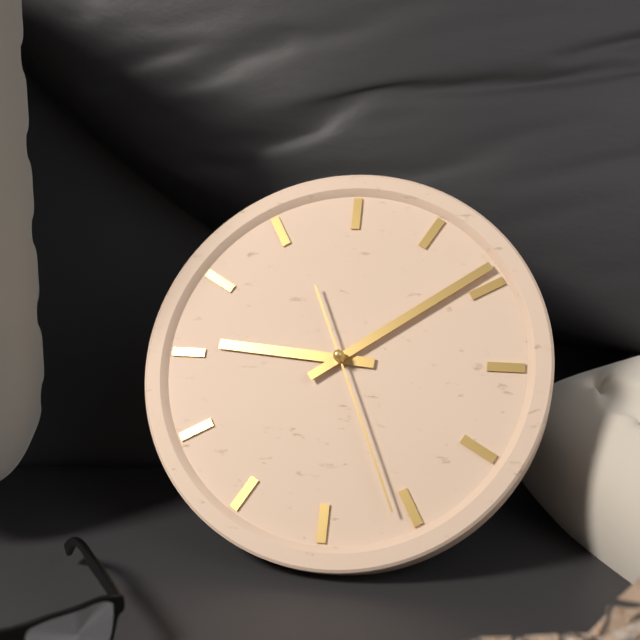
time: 9:09:26
